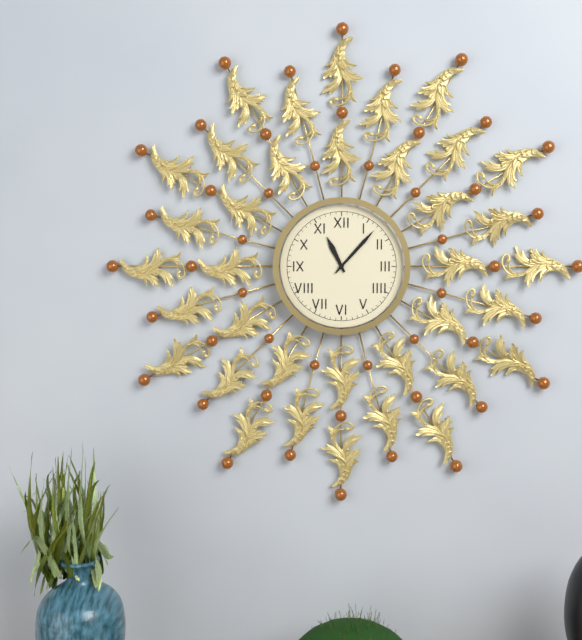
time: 11:07
